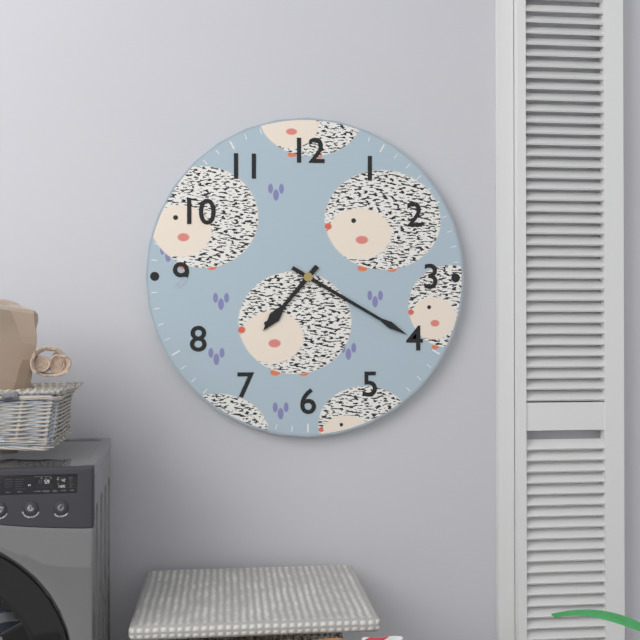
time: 7:20
